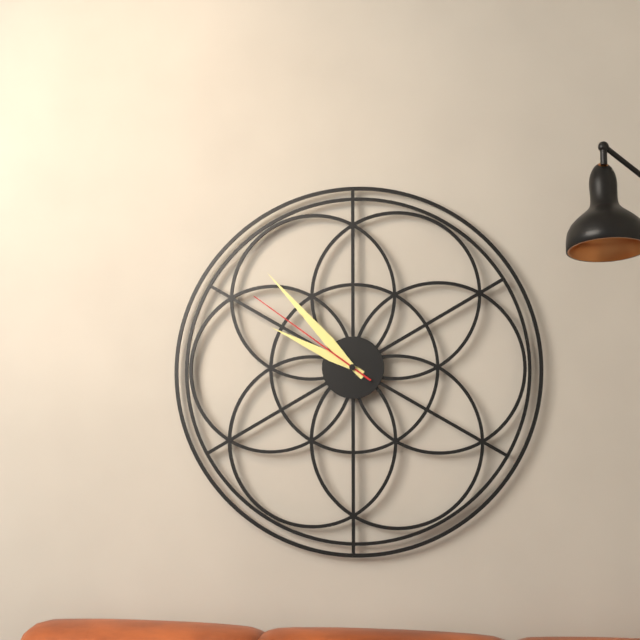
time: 9:53:51
